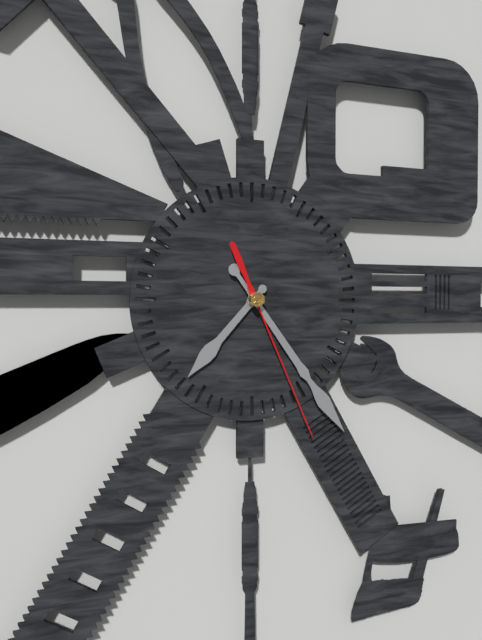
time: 7:24:26
